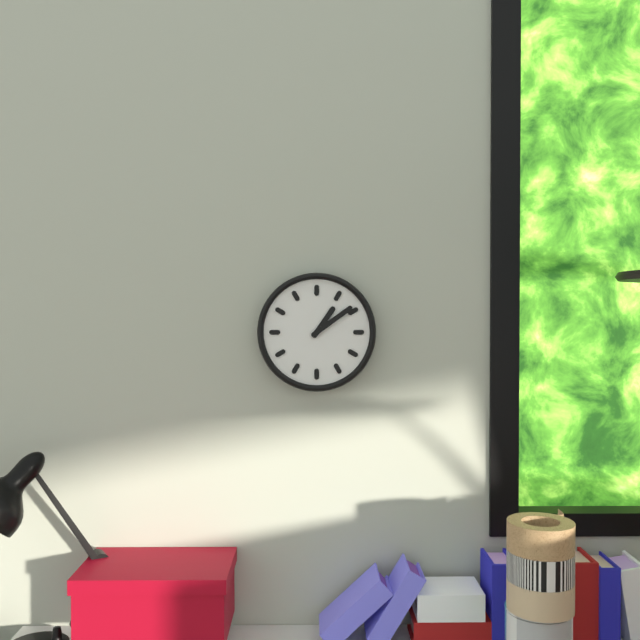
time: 1:09
